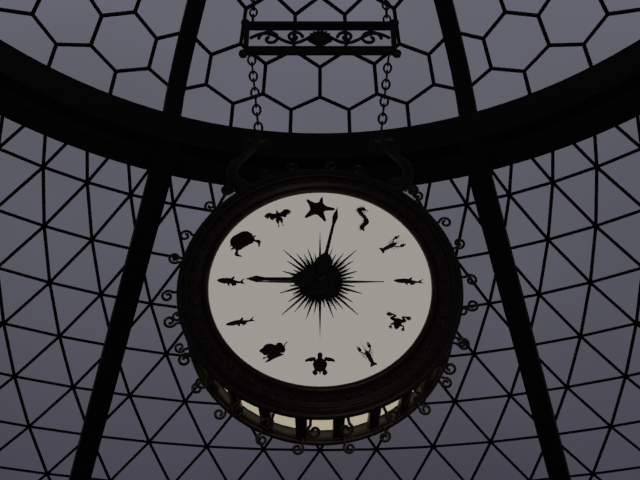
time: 9:02
